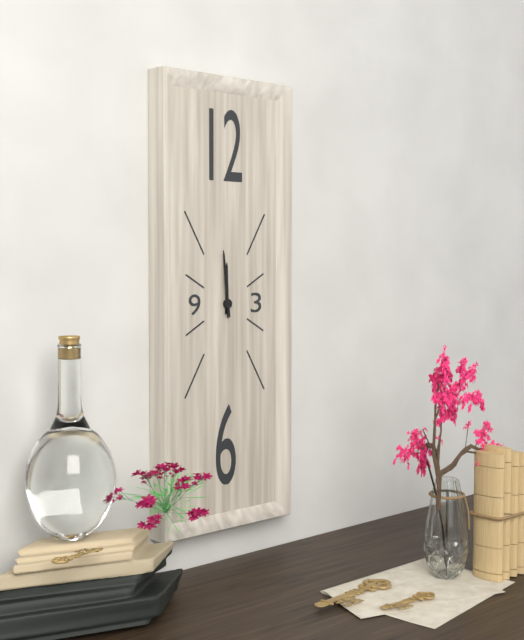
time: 11:59
